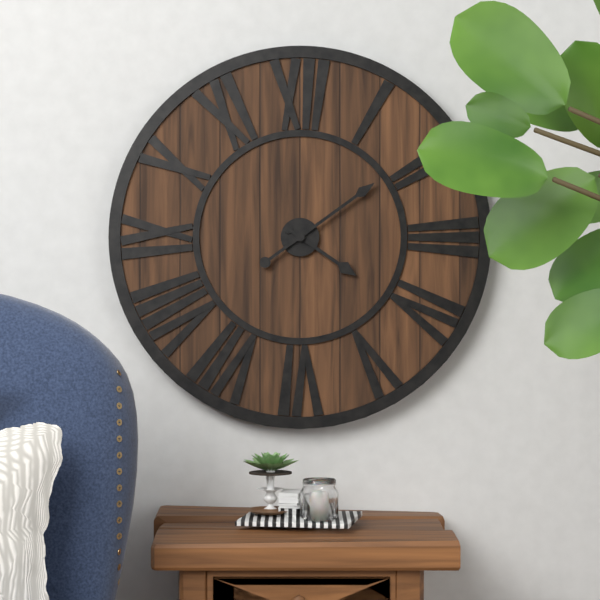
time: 4:09
